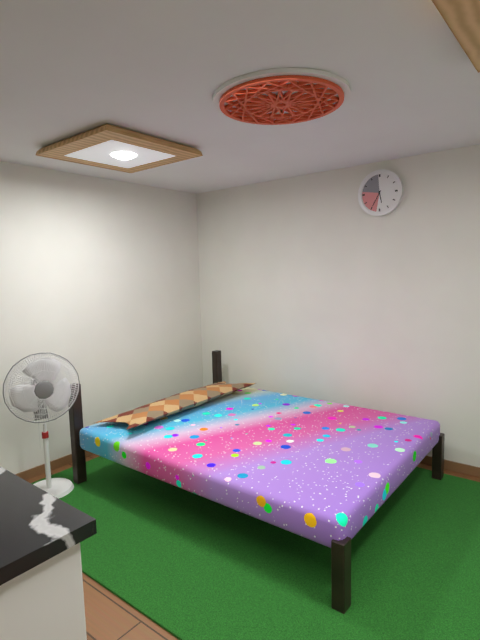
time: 5:35
